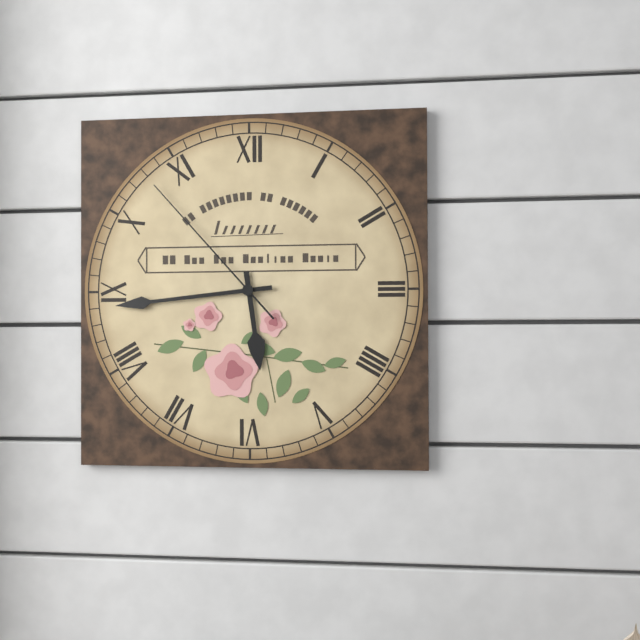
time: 5:44:53
